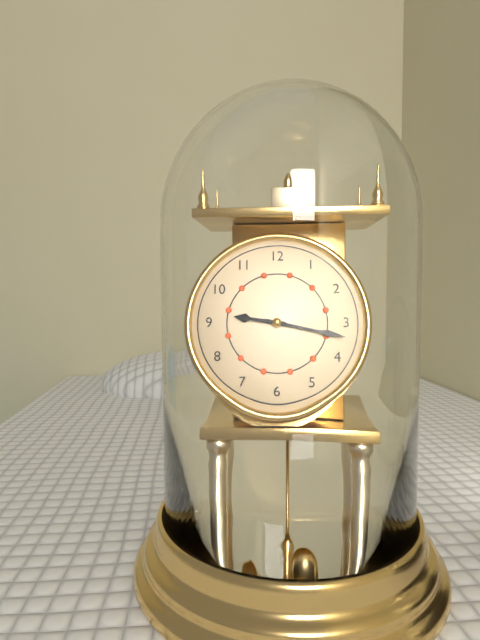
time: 9:17
